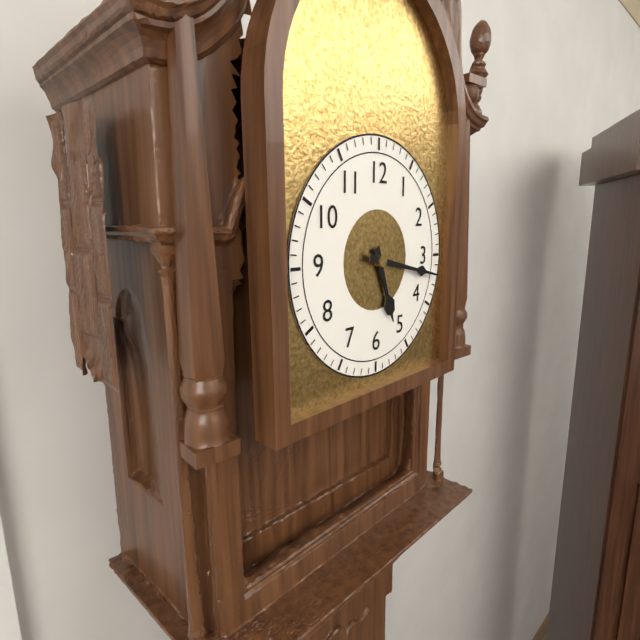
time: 5:17
